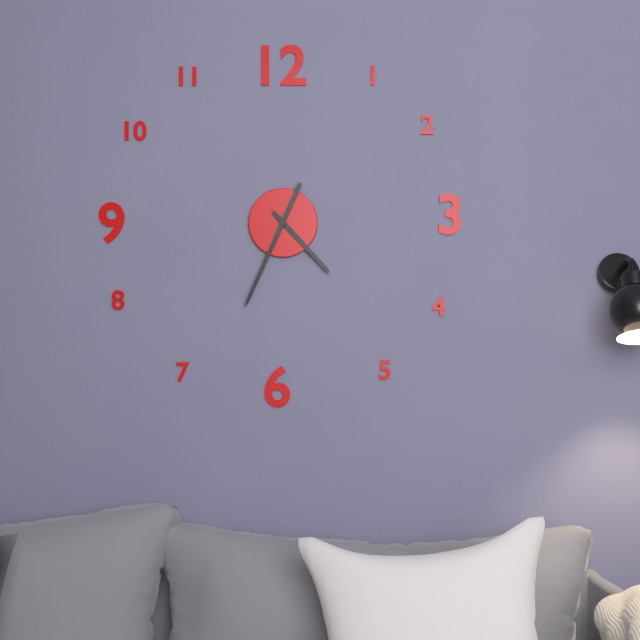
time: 4:34
